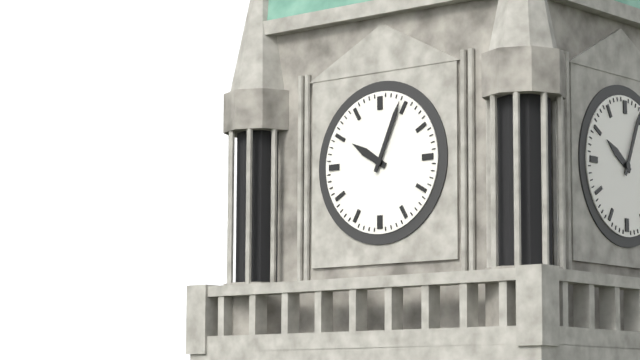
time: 10:04
